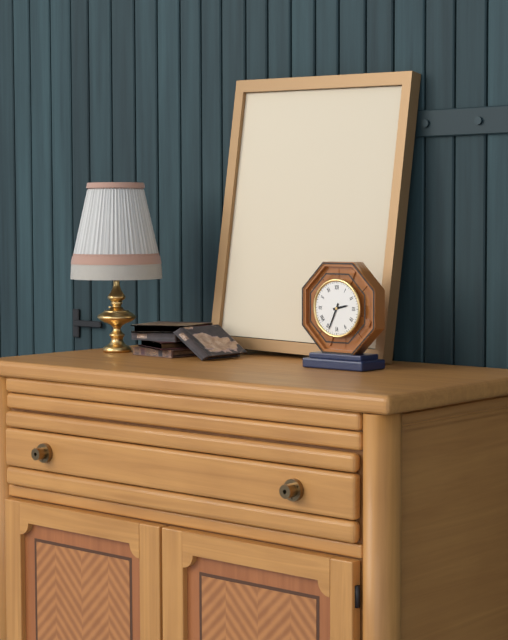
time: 2:34
